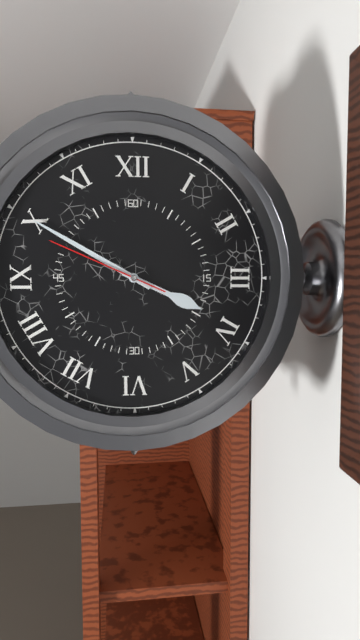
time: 3:50:49
